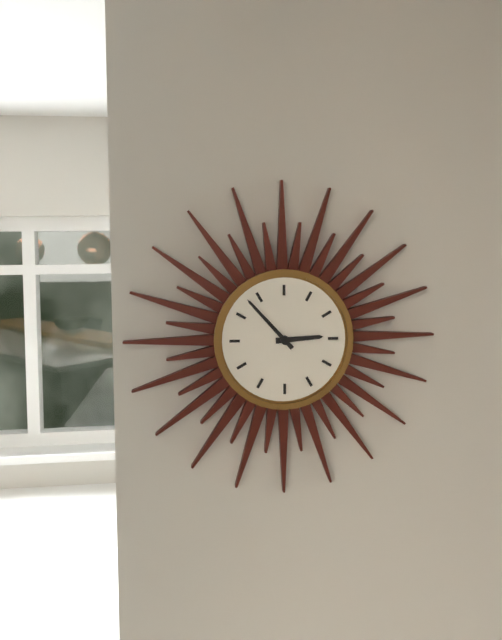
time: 2:53
